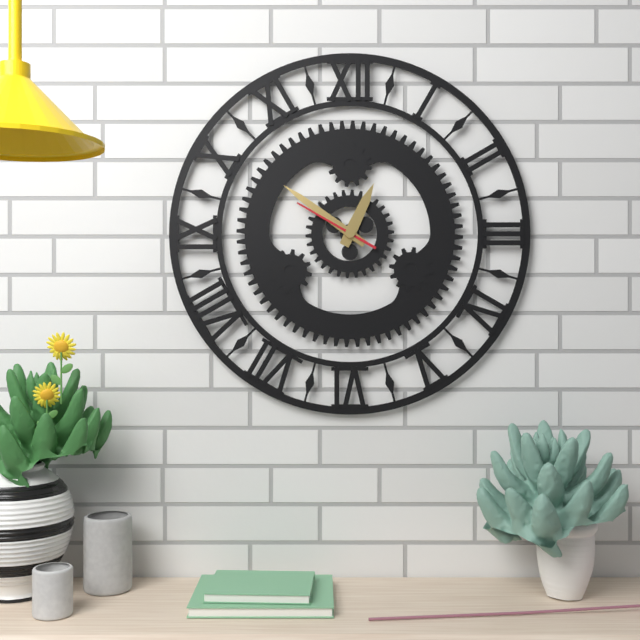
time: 12:51:50
